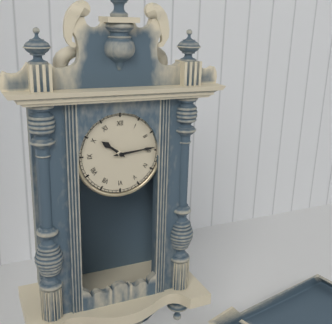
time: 10:14
